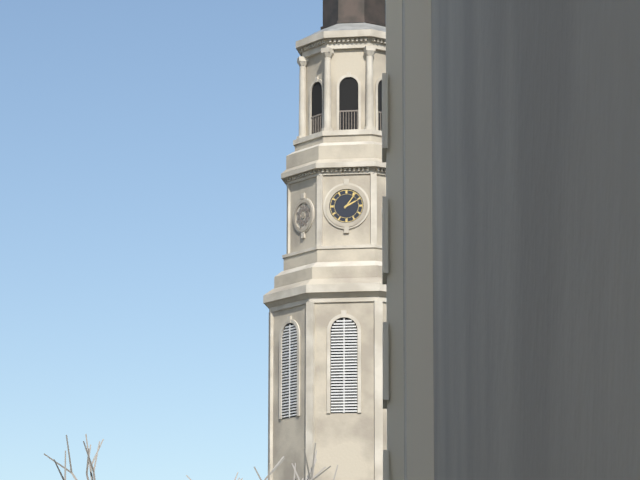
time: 2:06
